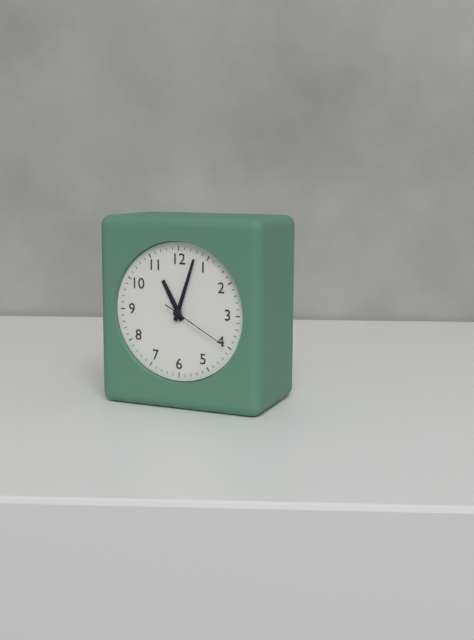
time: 11:03:20
